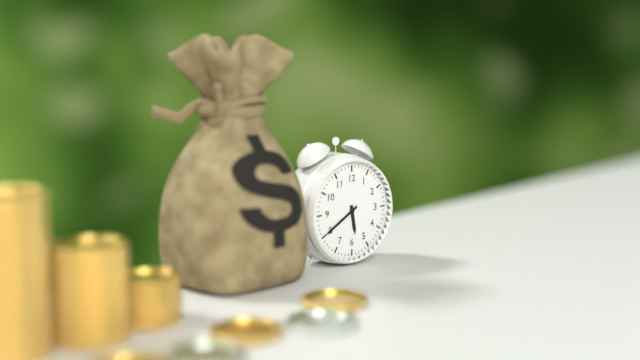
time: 5:40
